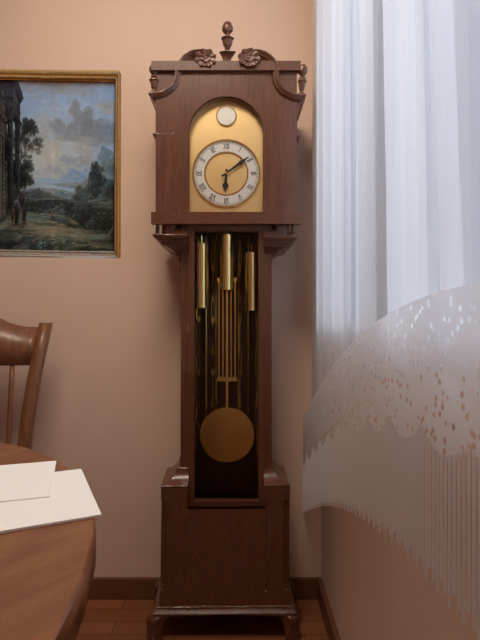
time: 6:09
